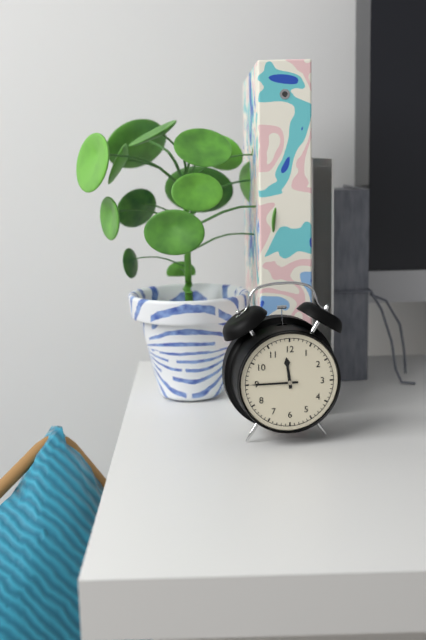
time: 11:45
